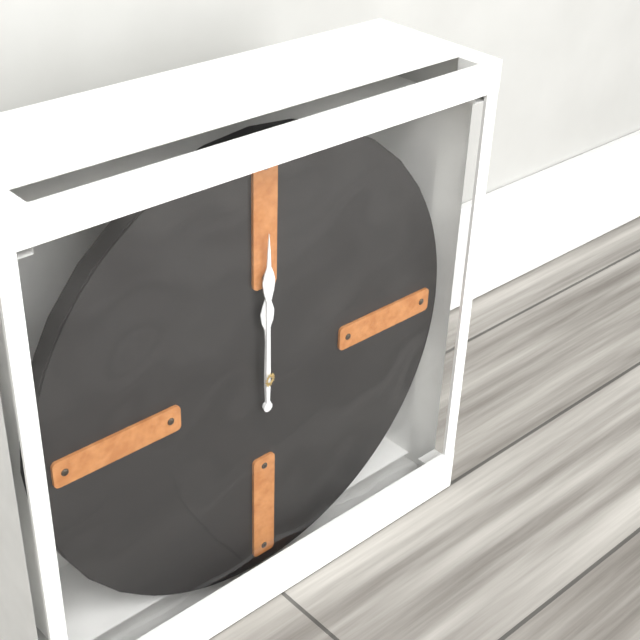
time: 12:00
